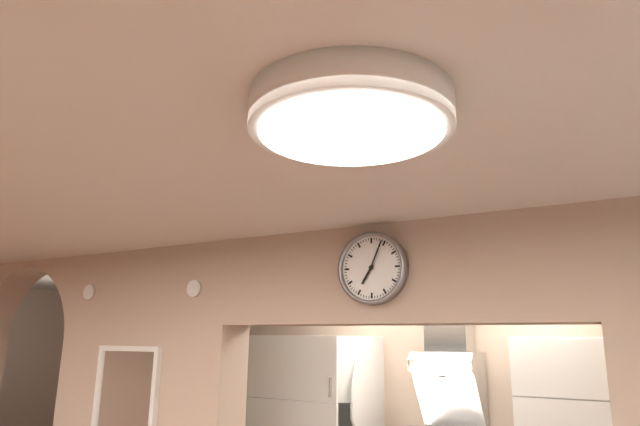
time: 7:04
